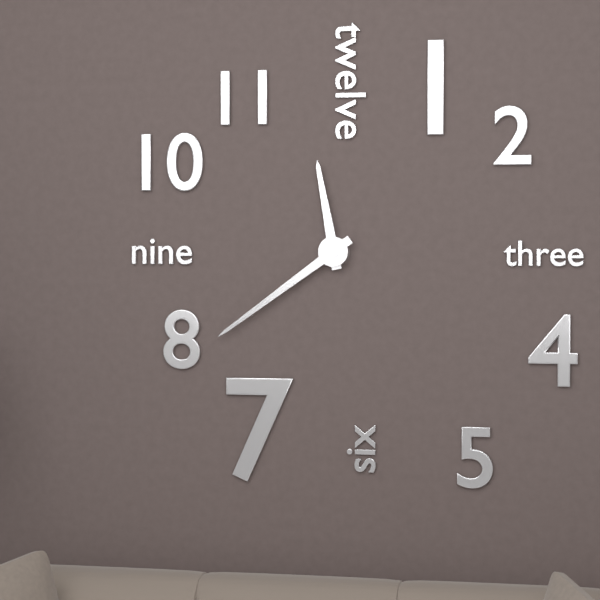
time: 11:39
